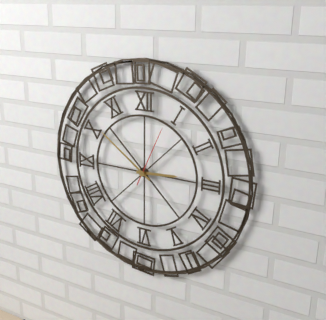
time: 2:51:04
